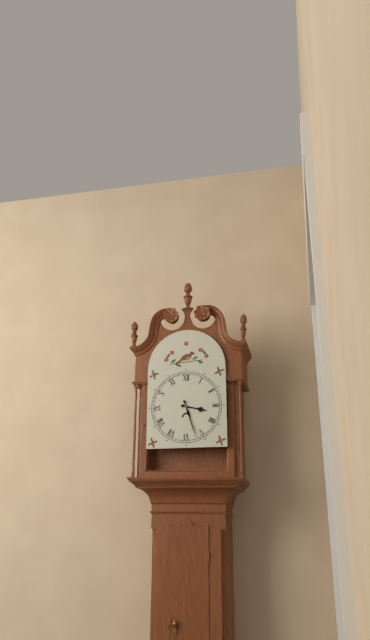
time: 3:27
